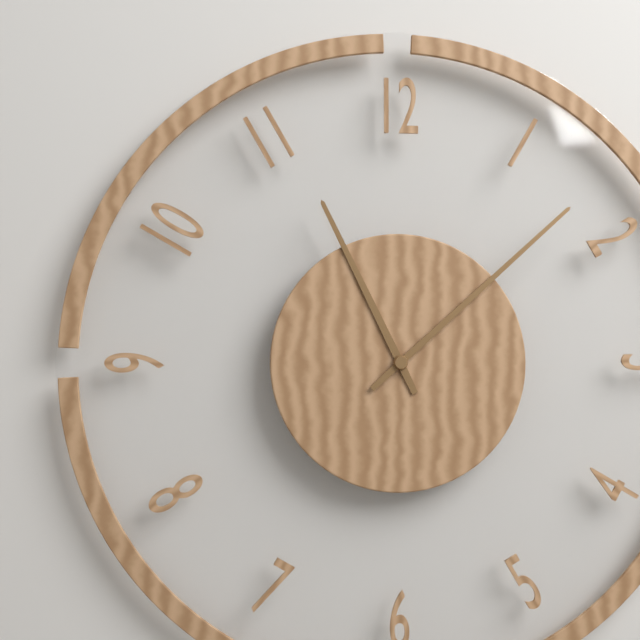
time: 11:08
